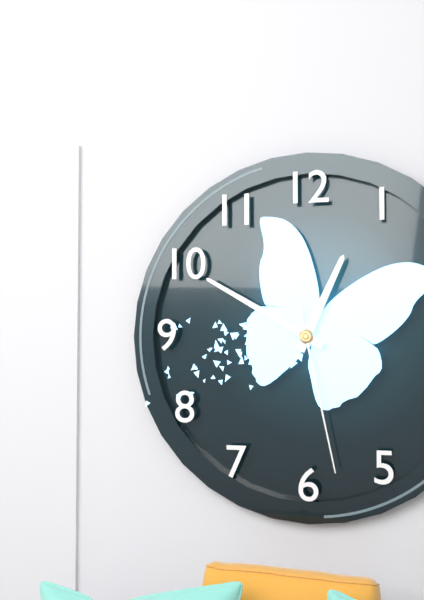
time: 12:50:28
